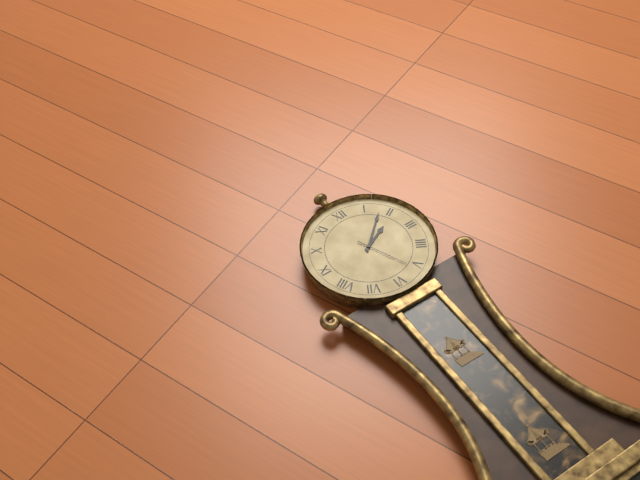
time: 2:08:26
